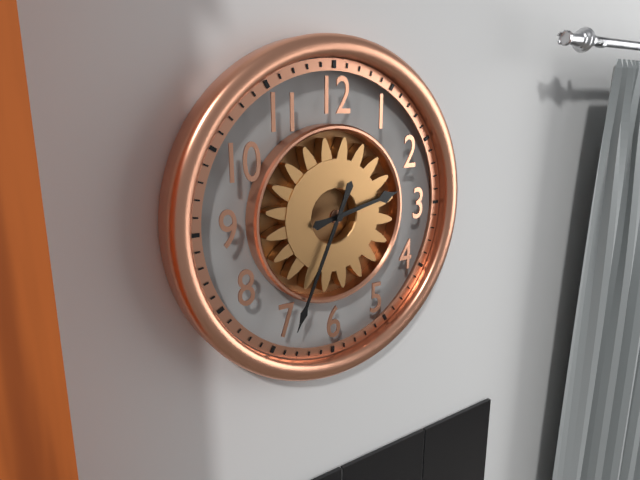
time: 2:34
